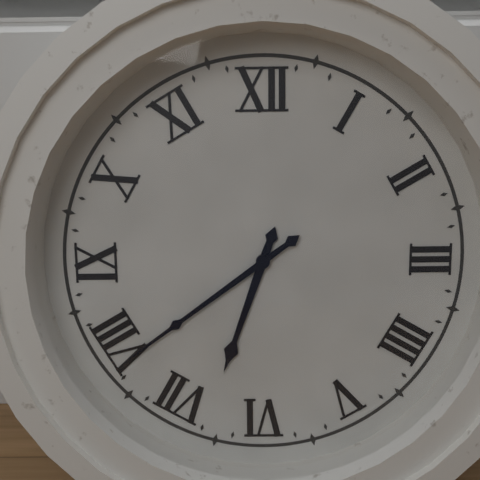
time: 6:39
